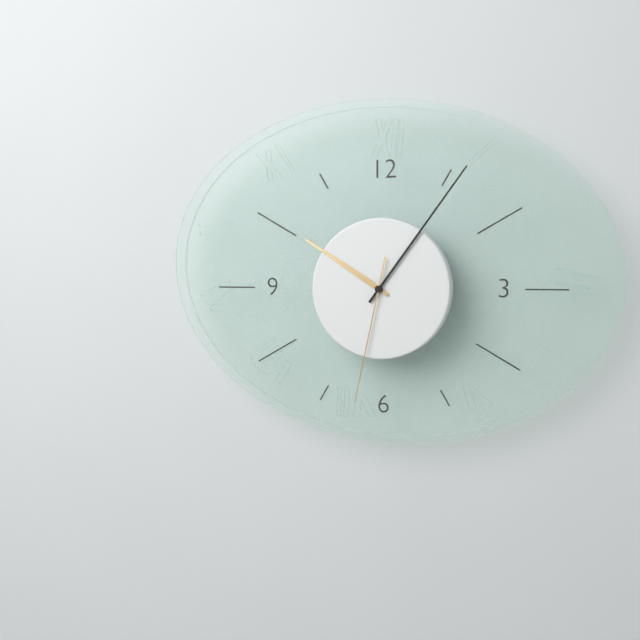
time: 10:06:32
